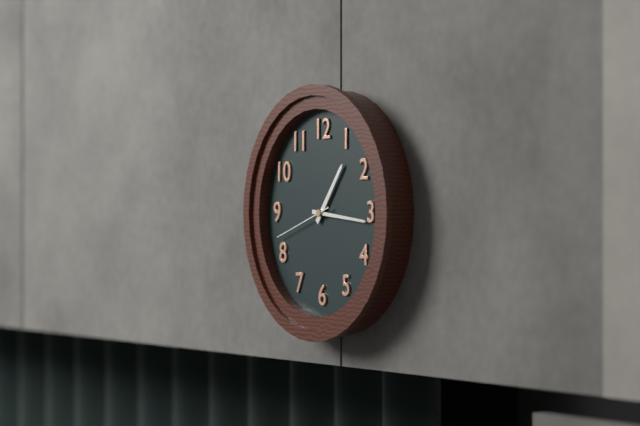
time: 1:16:42
